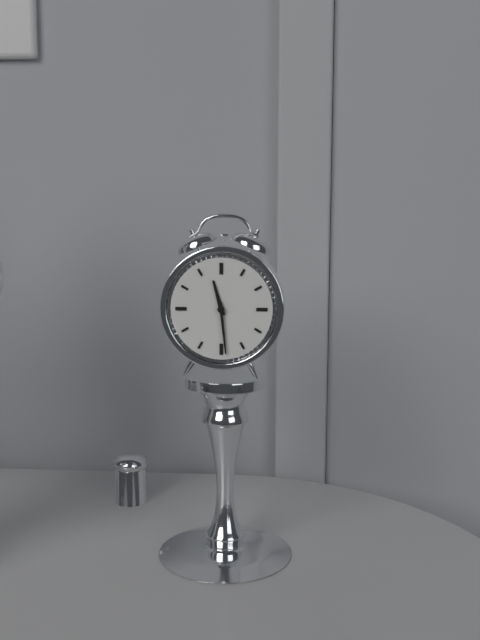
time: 11:29
